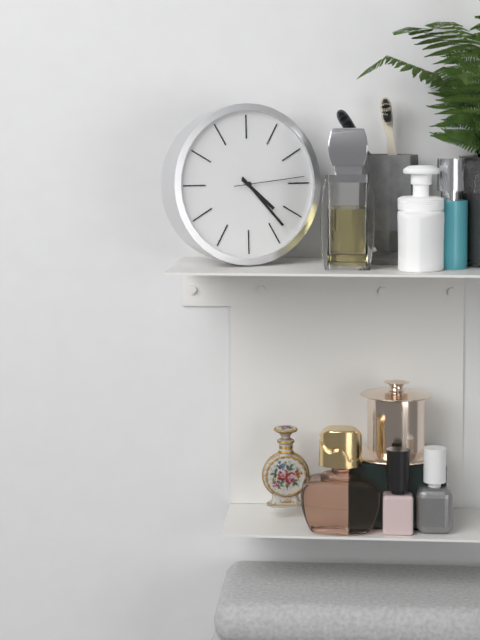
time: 4:23:14
